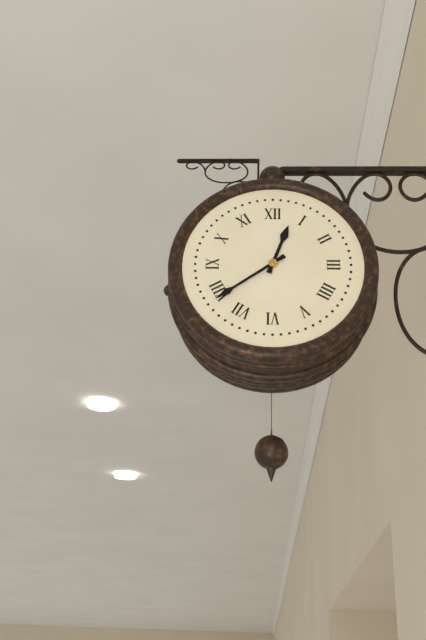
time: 12:39
